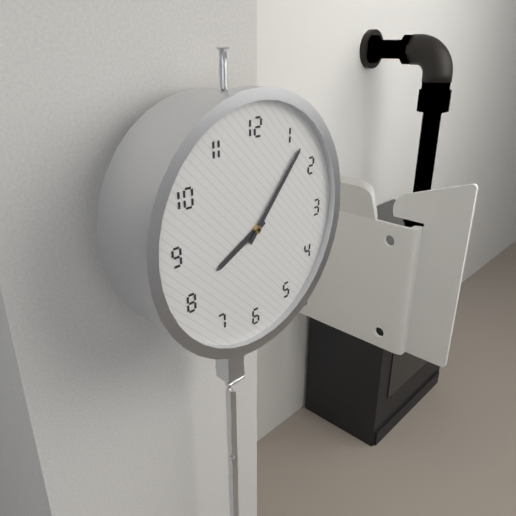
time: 8:07
